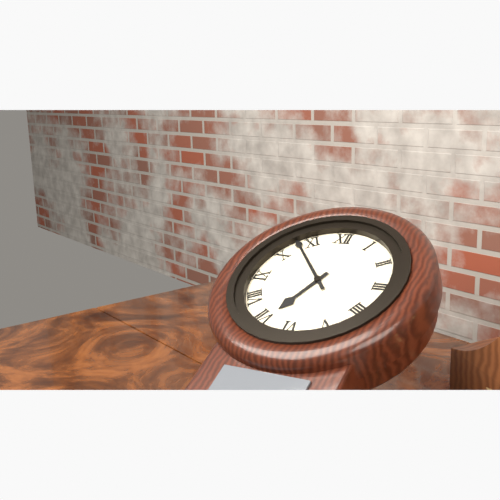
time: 6:53
